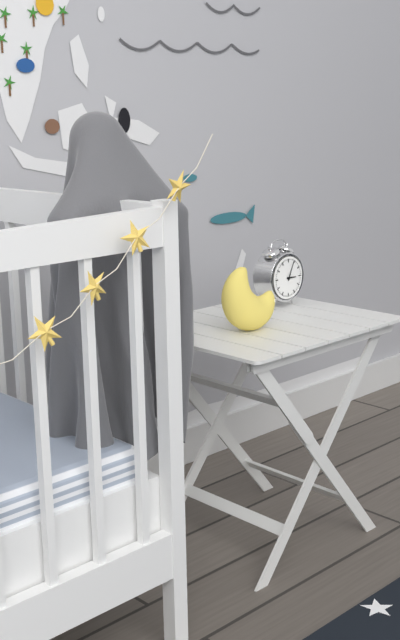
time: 3:04
